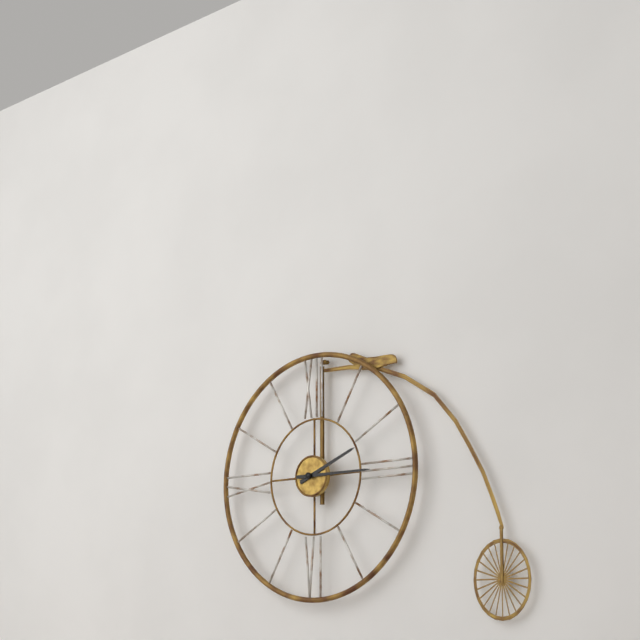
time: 2:15
